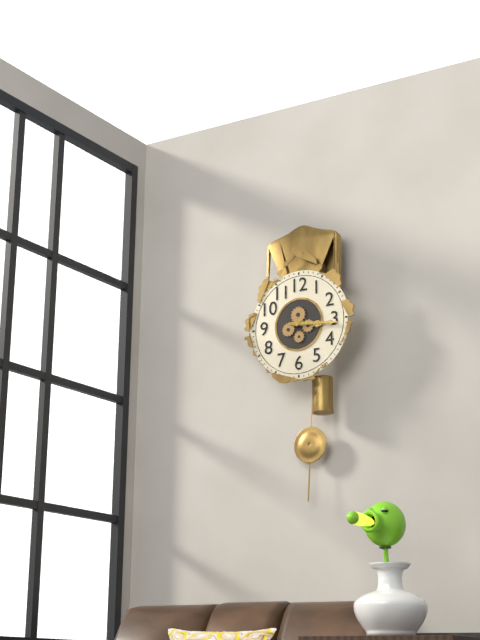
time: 3:16
